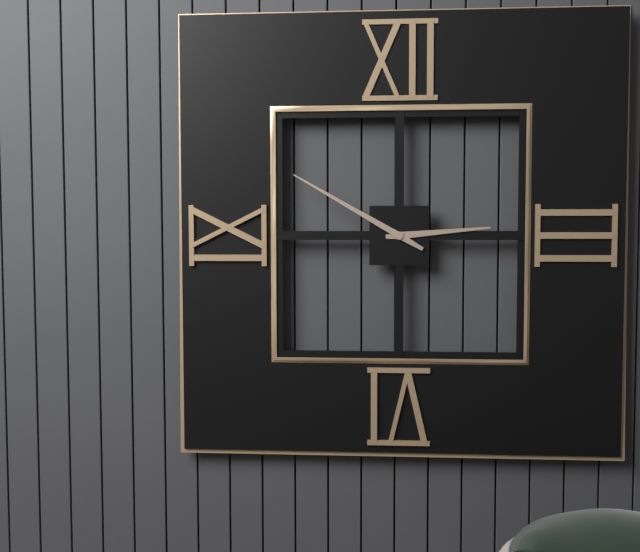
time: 2:50
